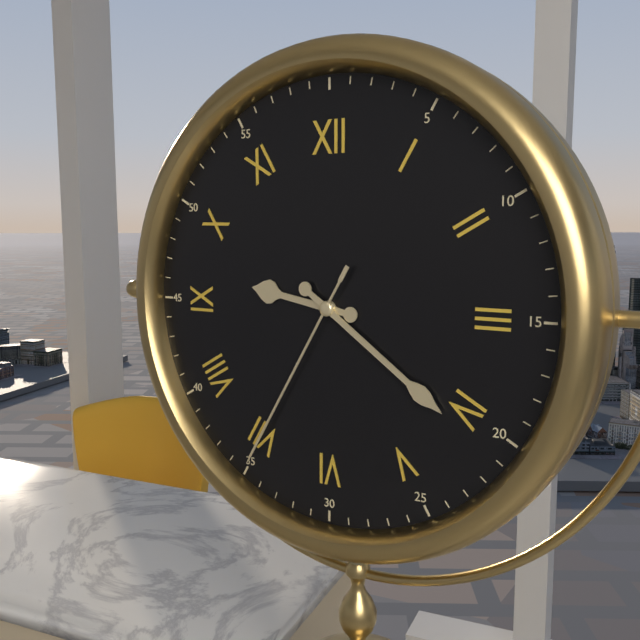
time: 9:21:35
